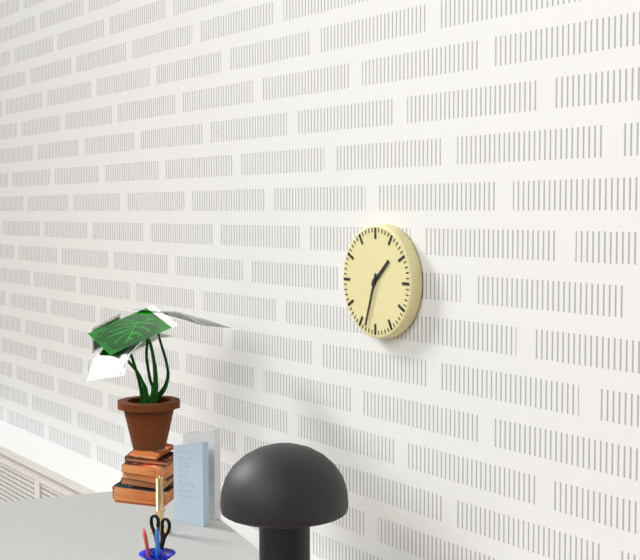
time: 1:33
